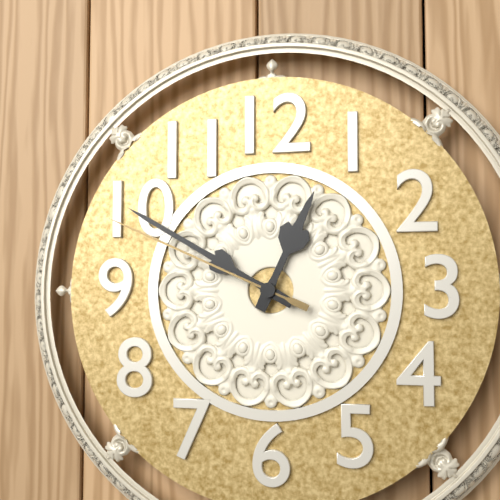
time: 12:50:49
